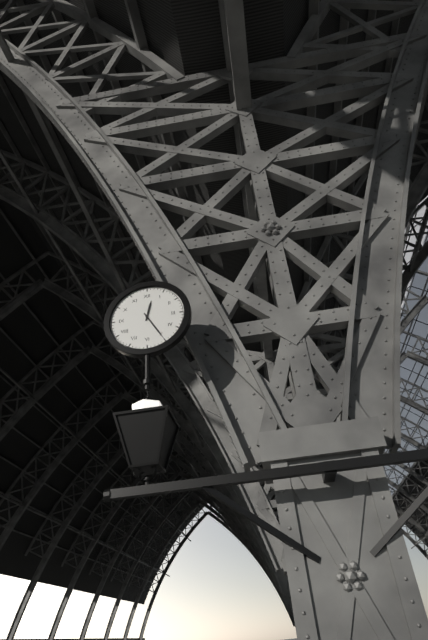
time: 12:25
